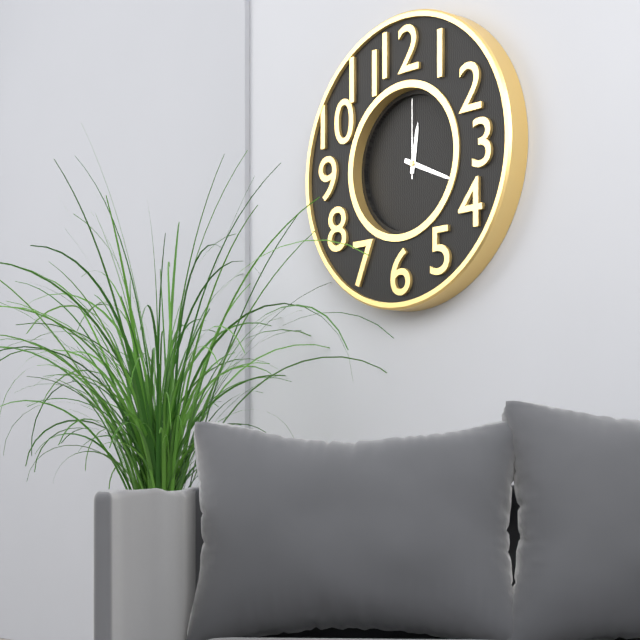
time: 12:19:00
